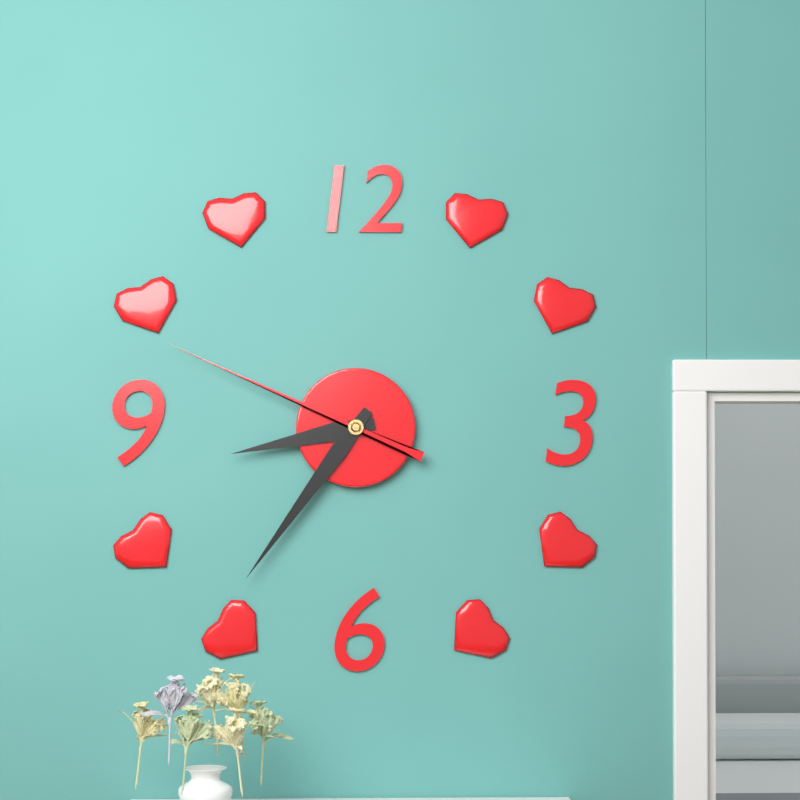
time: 8:36:49
